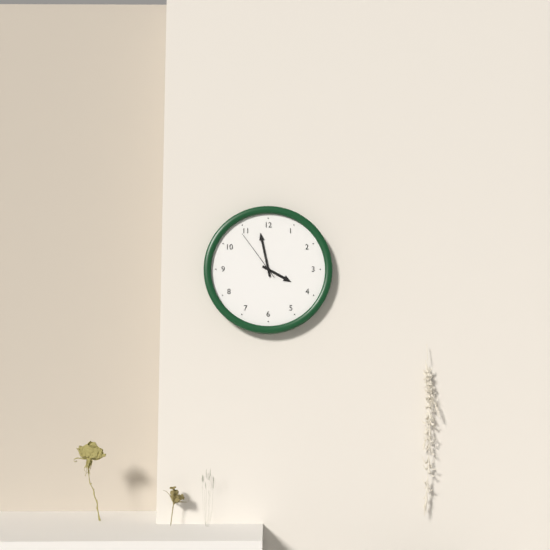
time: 3:58:54
